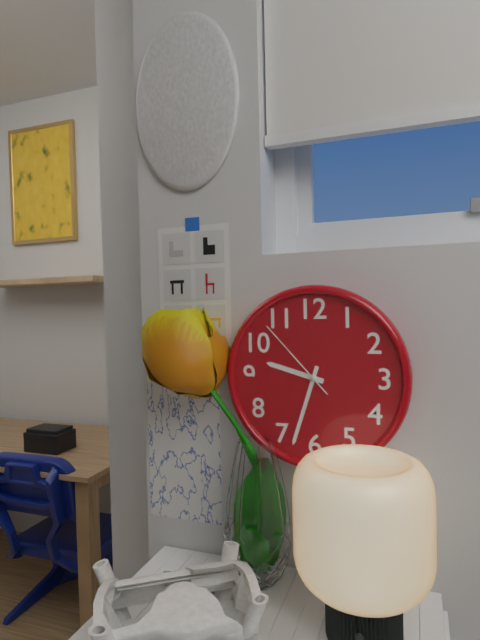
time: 9:33:53
